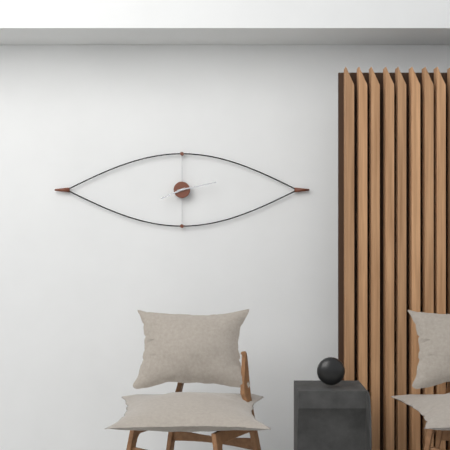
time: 8:13
